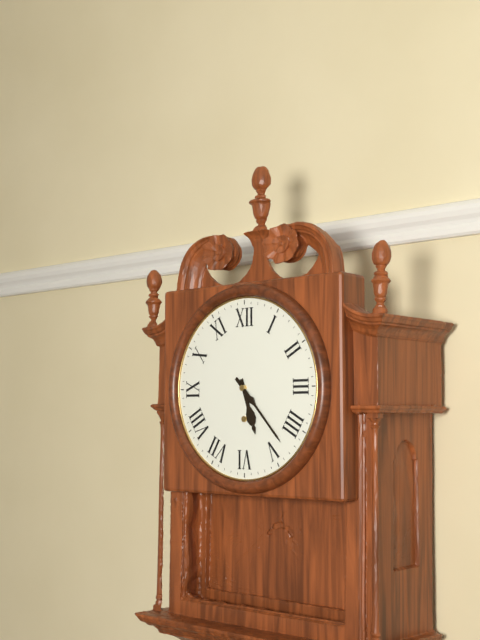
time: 5:23
